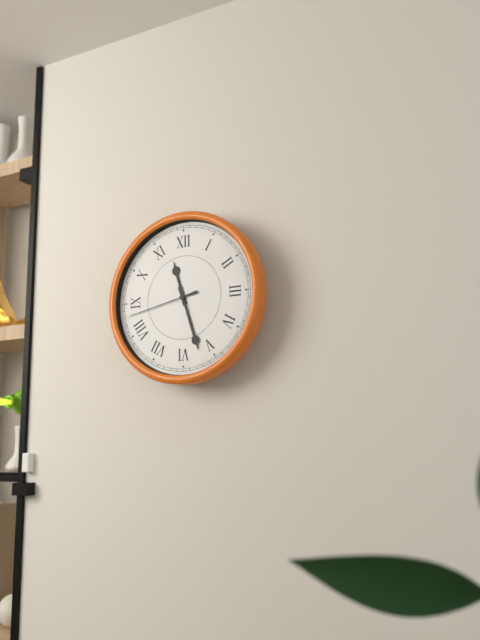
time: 11:27:43
